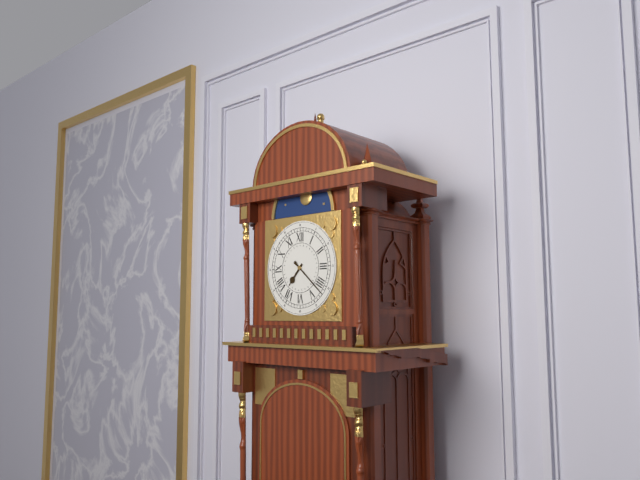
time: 7:22
